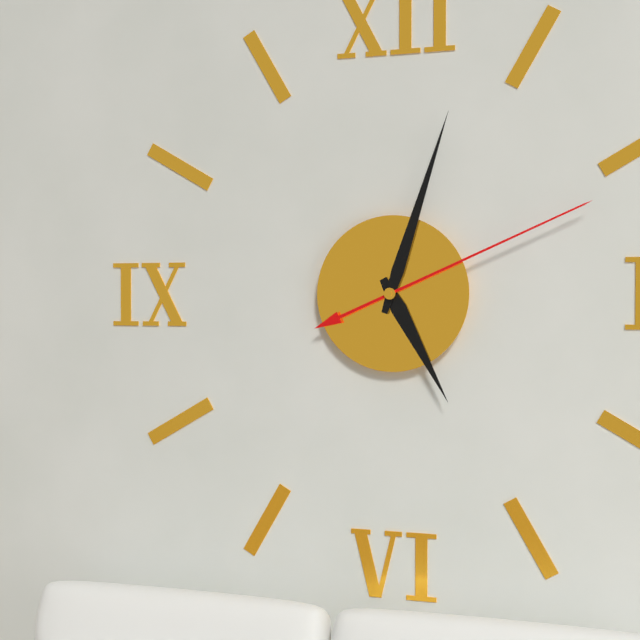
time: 5:03:11
